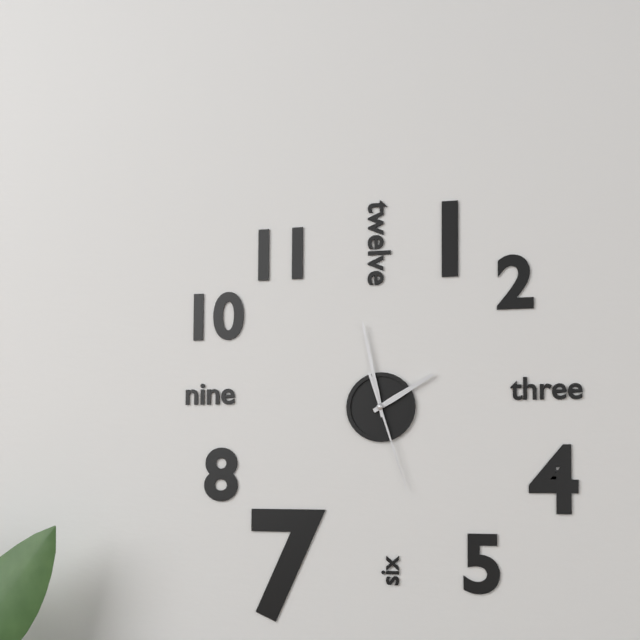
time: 1:58:27
